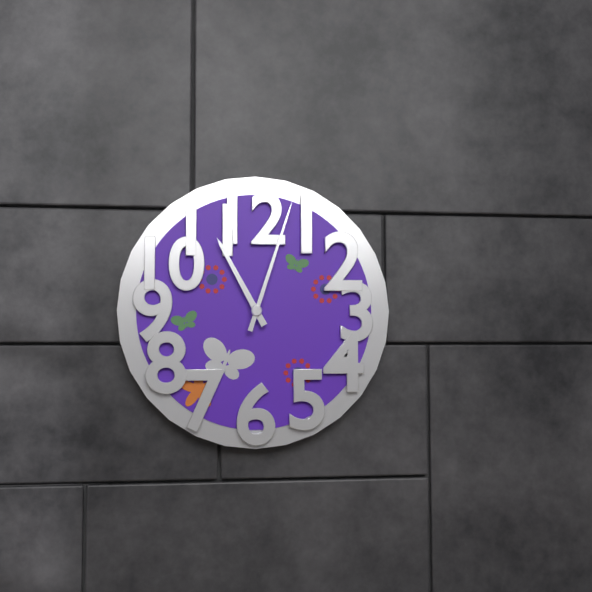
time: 11:03
